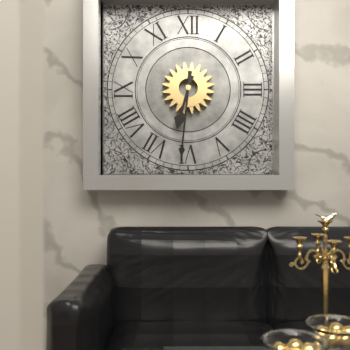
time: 6:31
